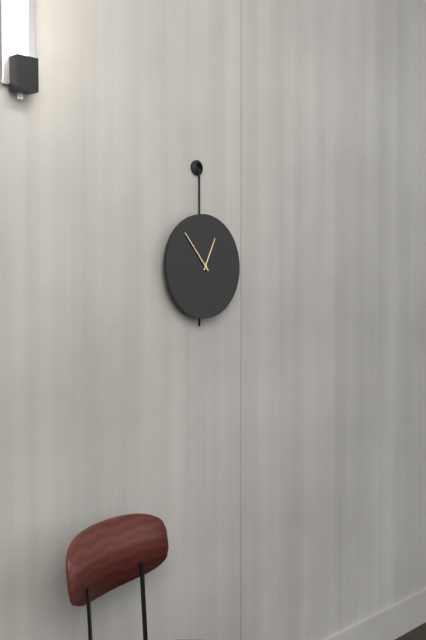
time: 12:53
